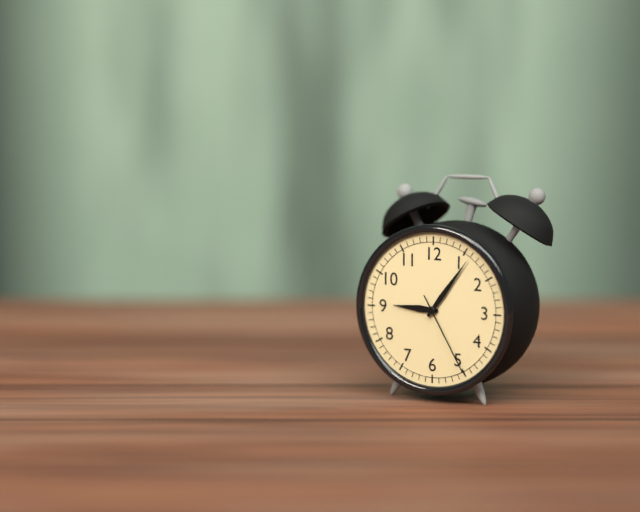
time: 9:06:25
